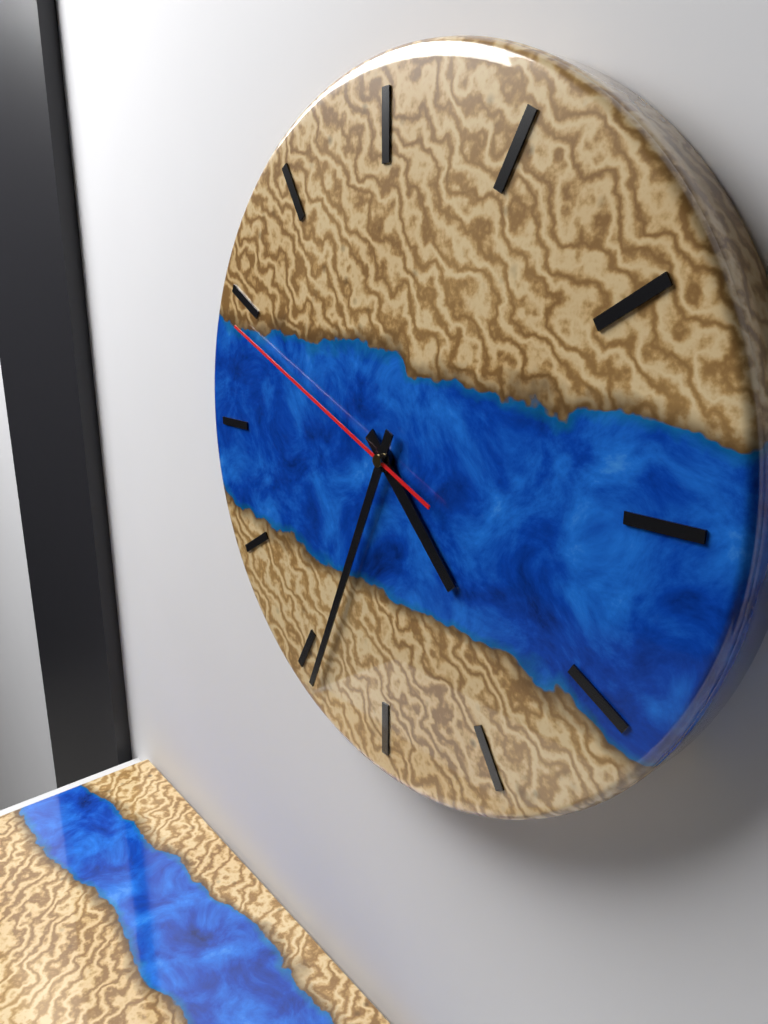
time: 4:34:49
